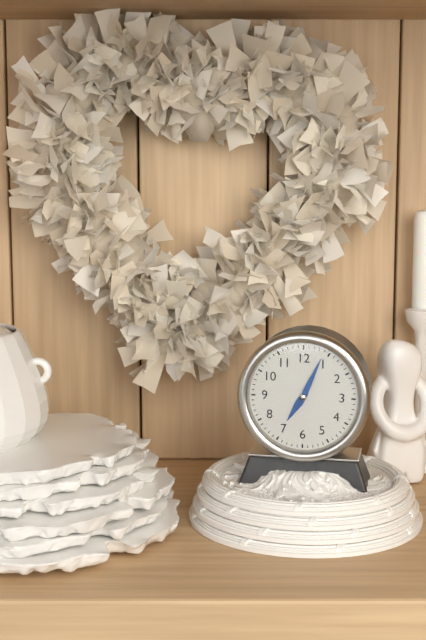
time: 7:04
